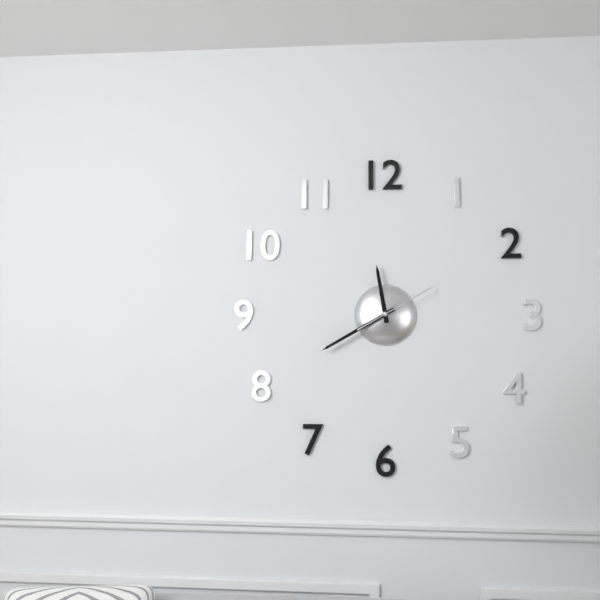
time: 11:40:10
